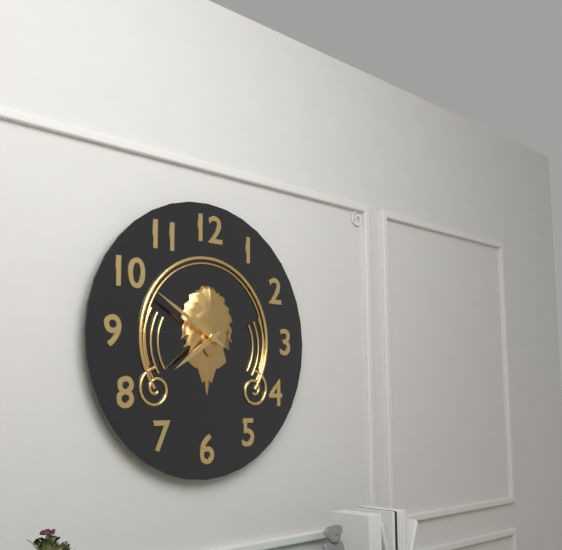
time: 7:50
